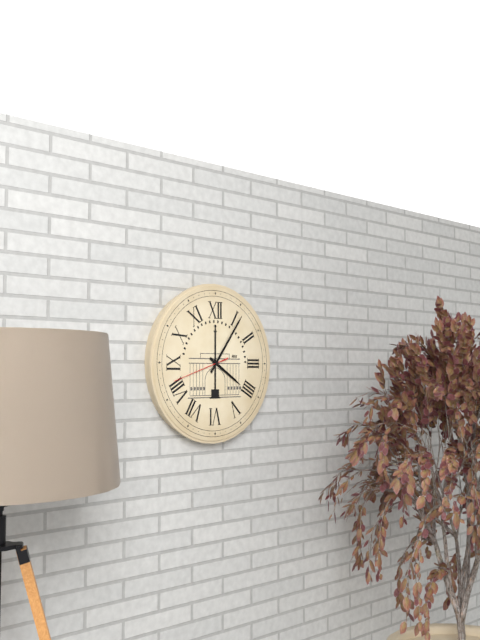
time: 4:06
